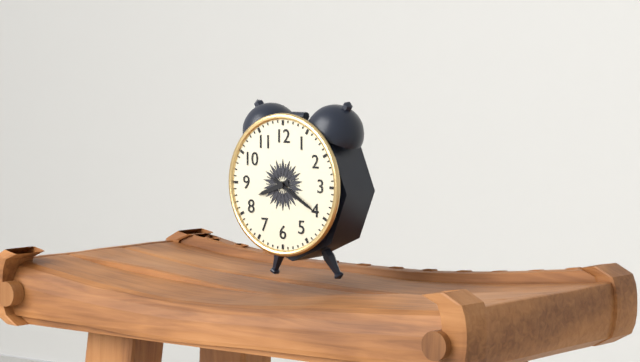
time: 8:20:20
